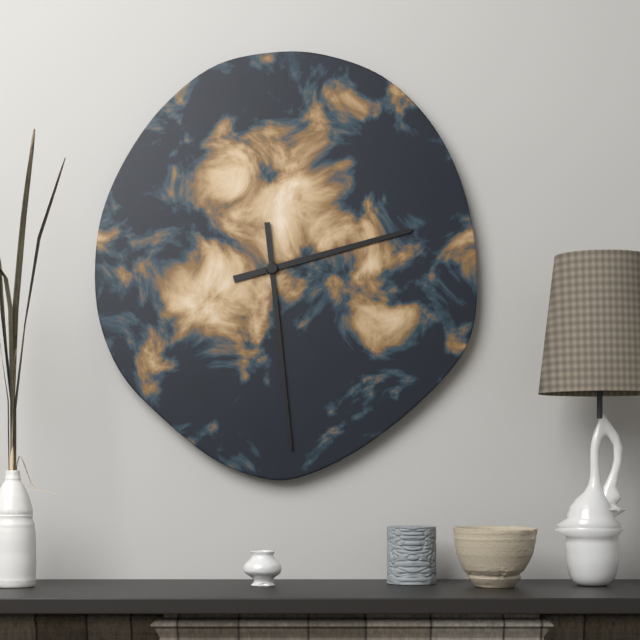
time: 2:29
